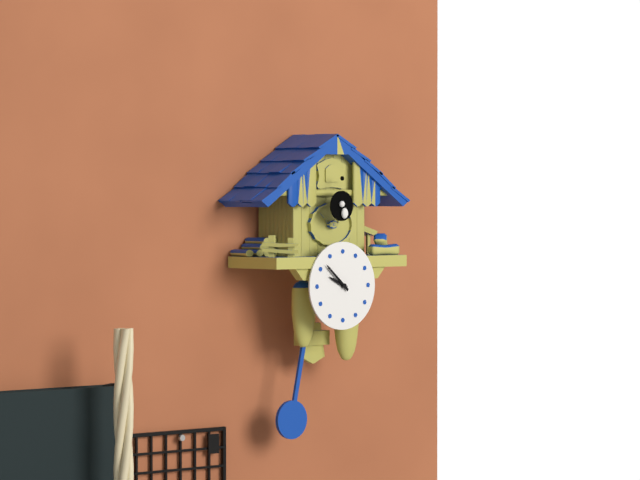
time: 9:52
